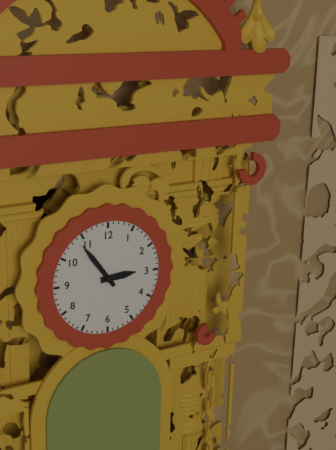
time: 2:54
